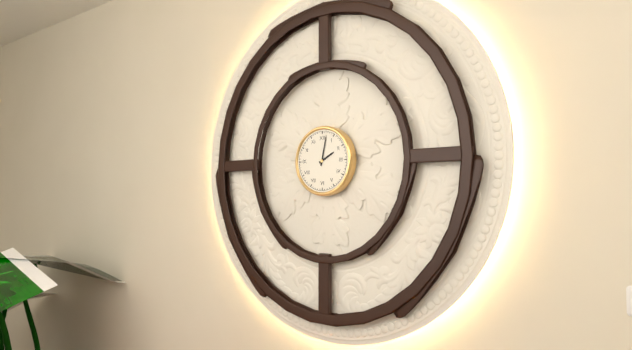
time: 2:02
